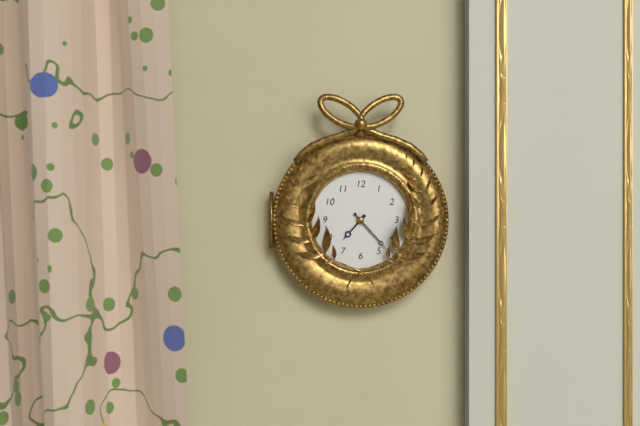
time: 7:23
